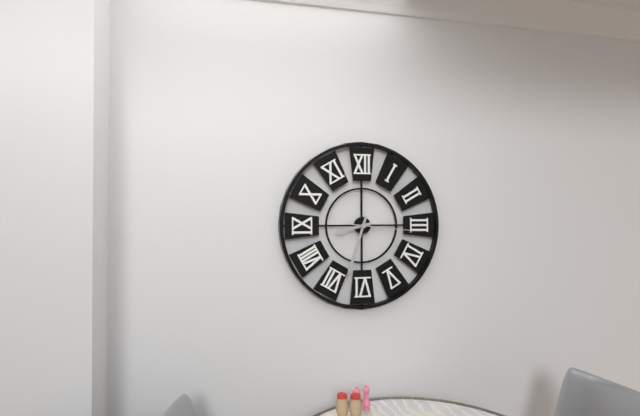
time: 8:33:16
